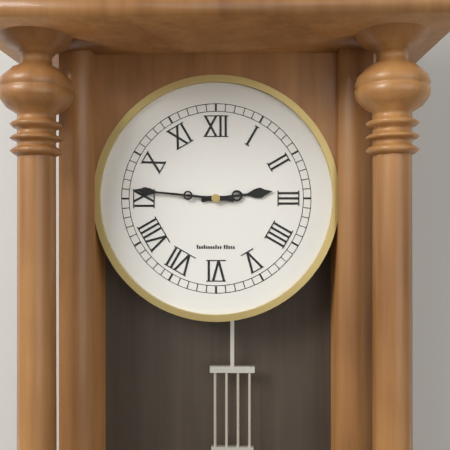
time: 2:46
